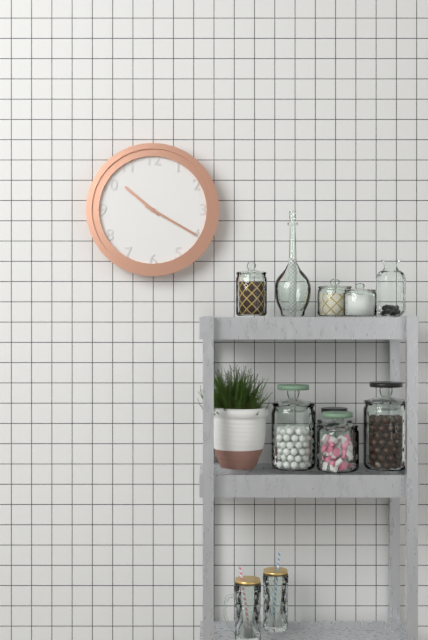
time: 10:20
